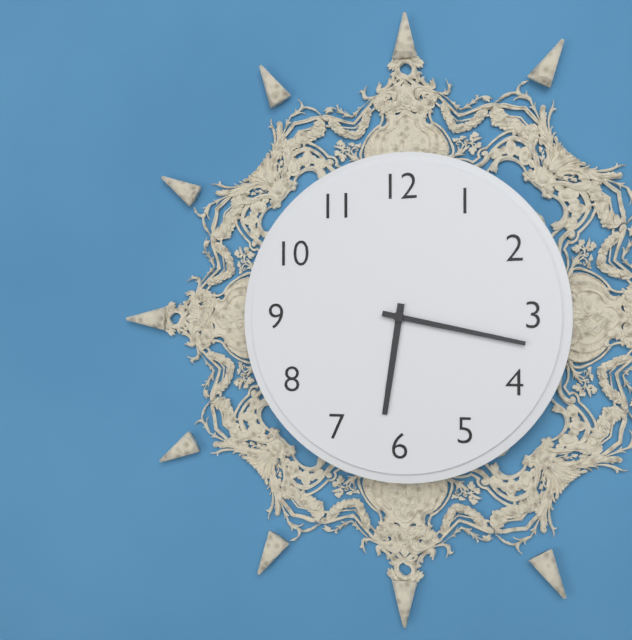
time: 6:17
